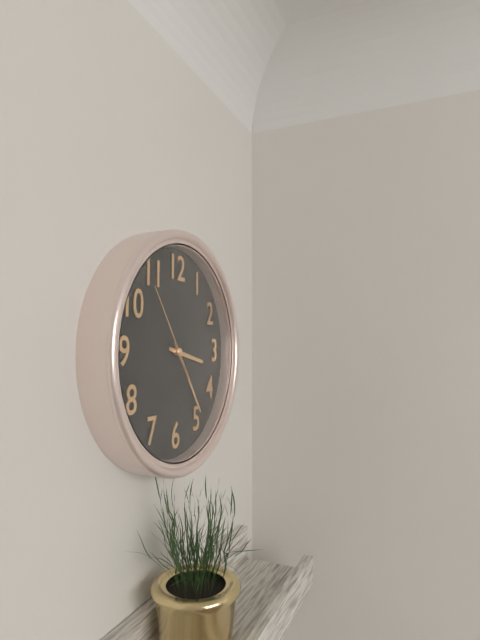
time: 3:24:54
